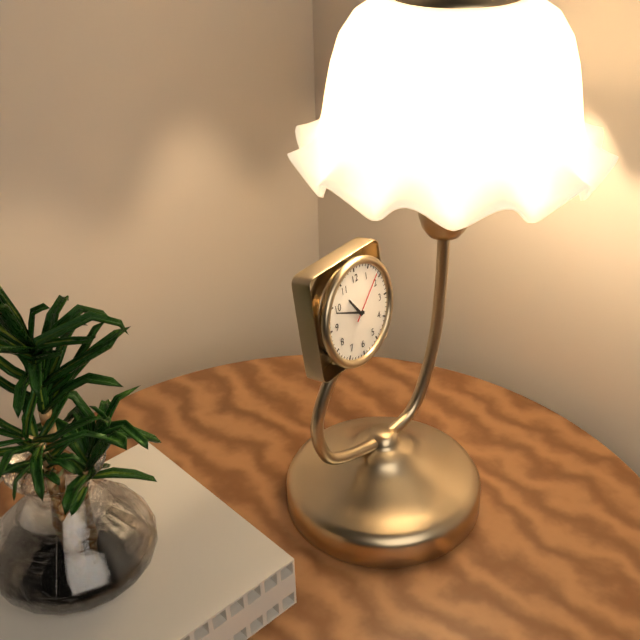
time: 10:49:08
